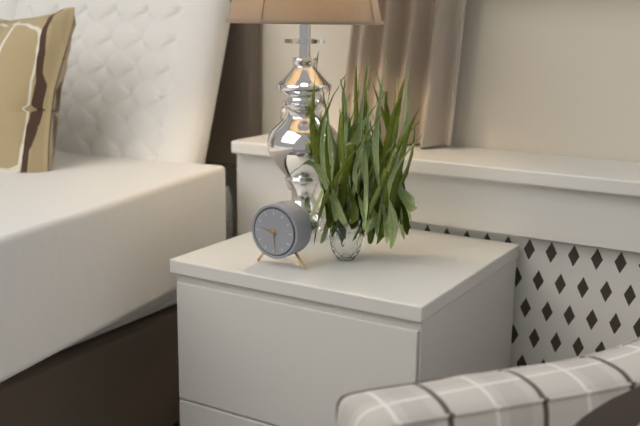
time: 9:29
